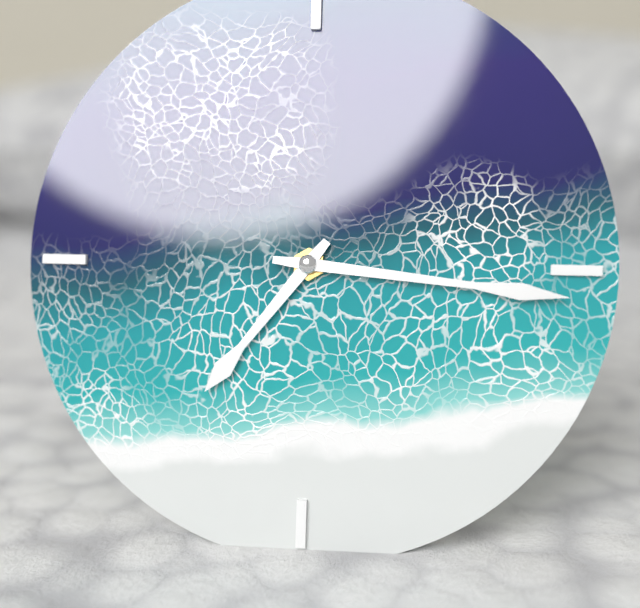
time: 7:16
